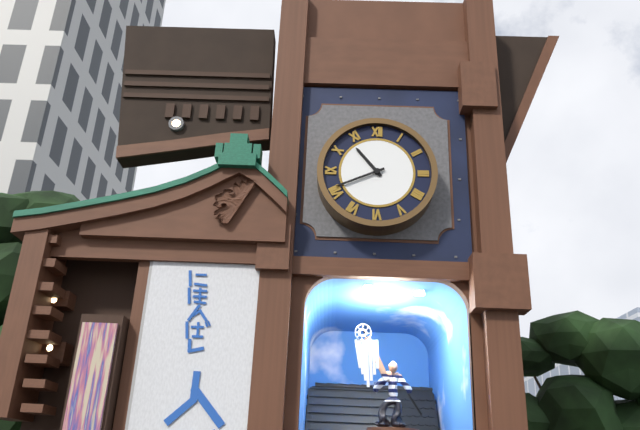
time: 10:41
